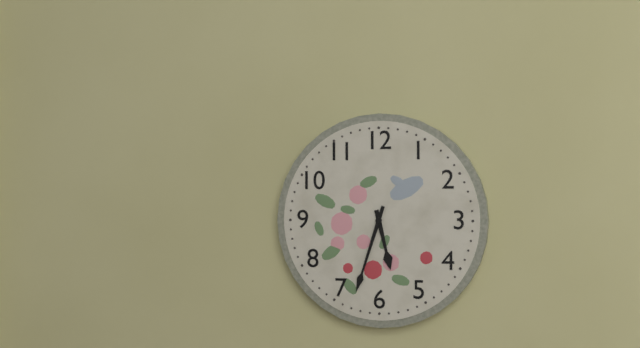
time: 5:33
